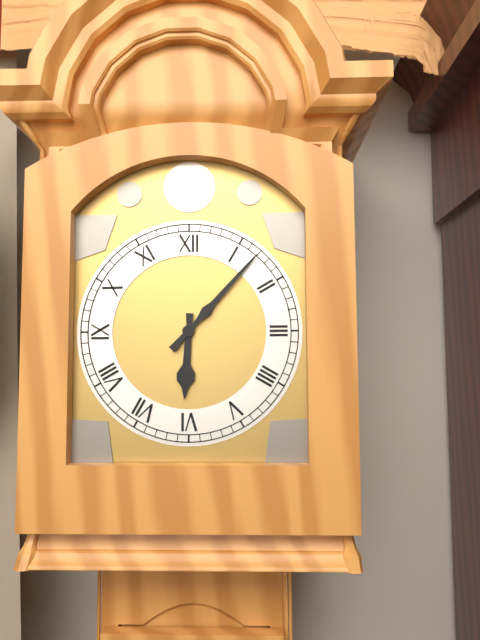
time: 6:07
